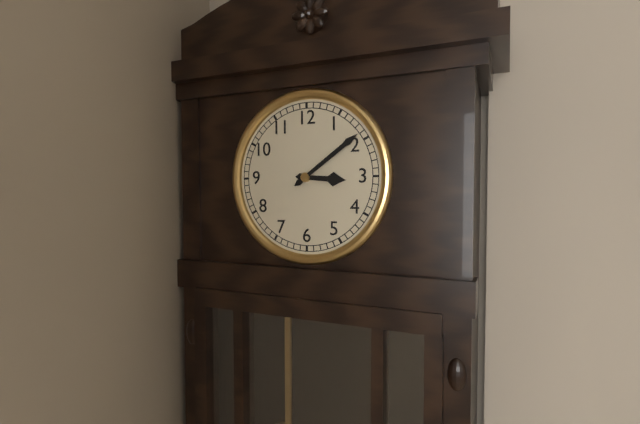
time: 3:09
